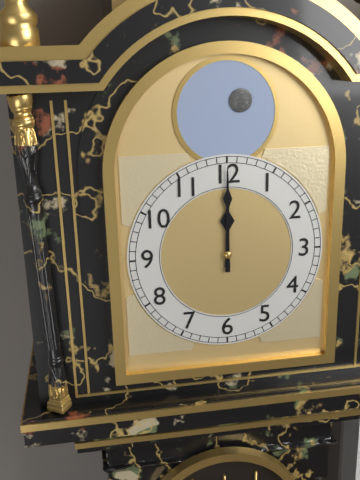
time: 12:00
